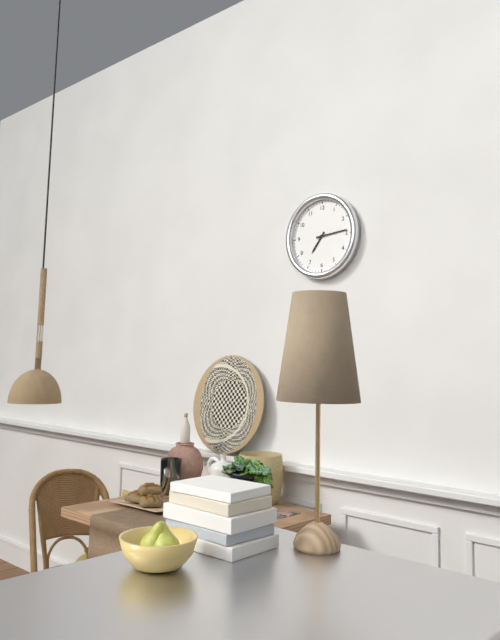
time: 7:14
